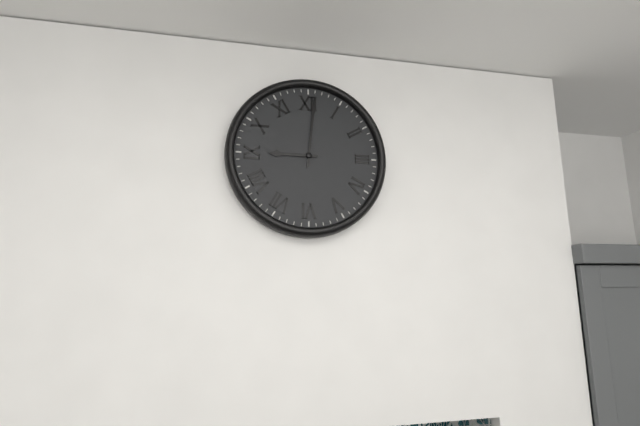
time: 9:01
